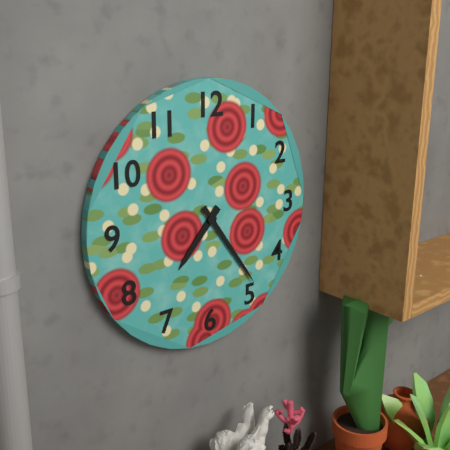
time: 7:24
